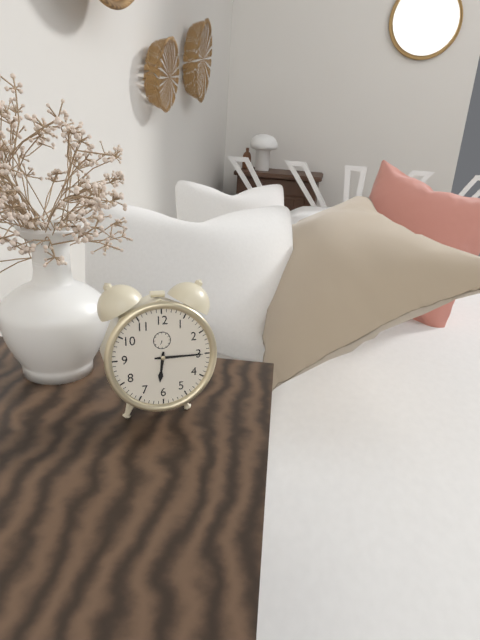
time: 6:15
